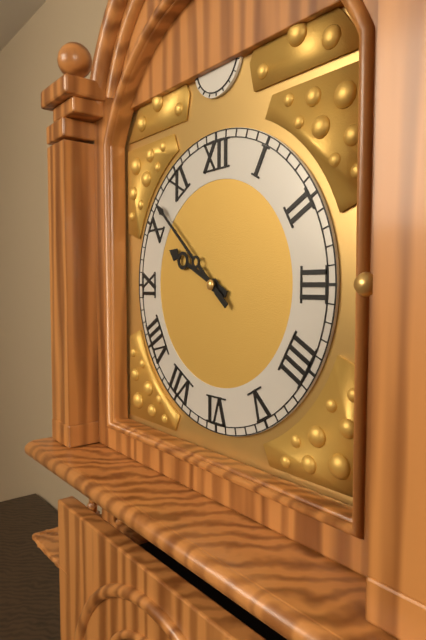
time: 9:52
